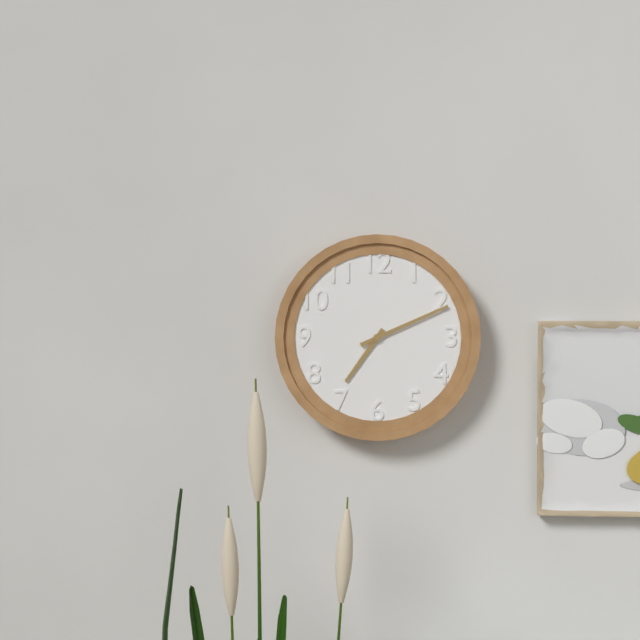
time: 7:11
